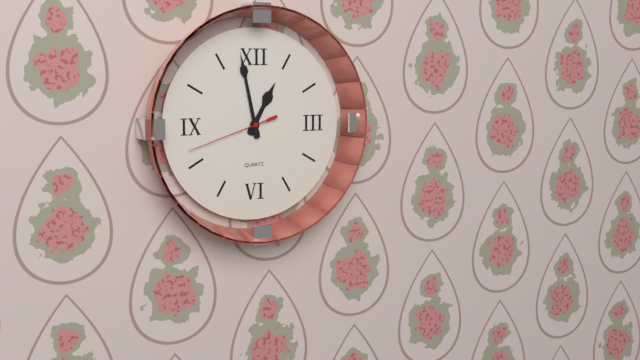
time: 12:58:42
